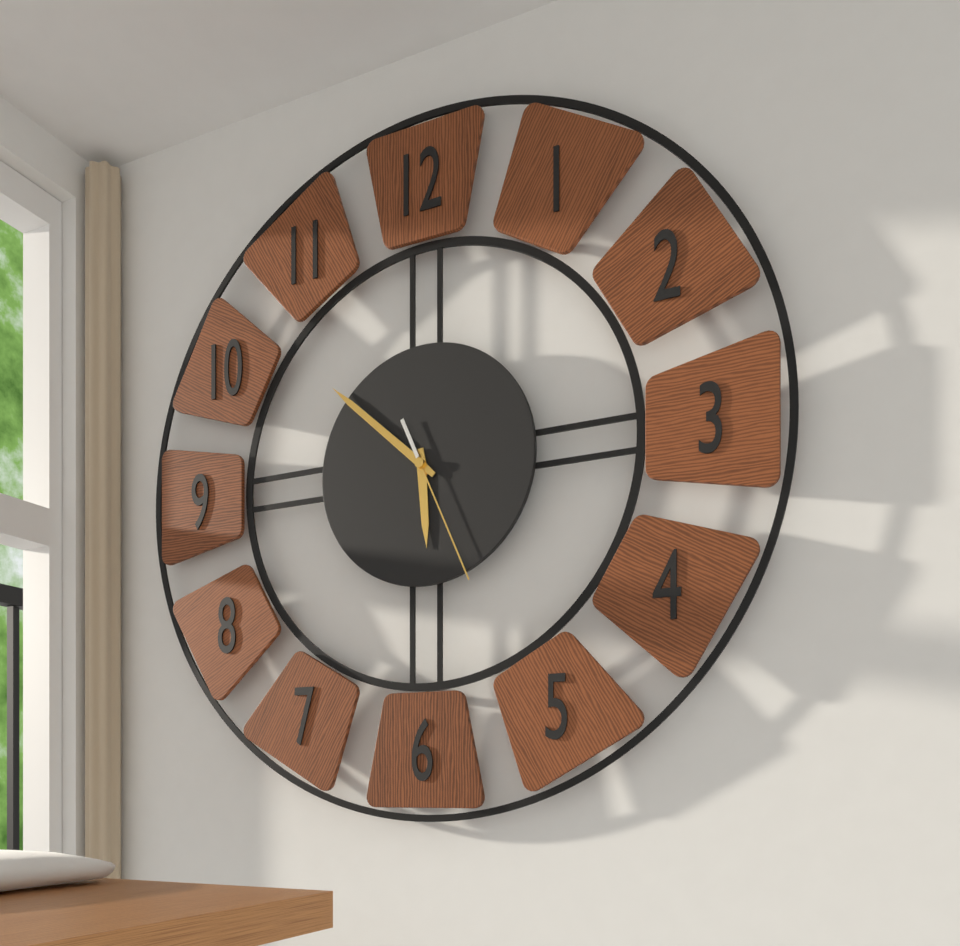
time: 5:52:26
